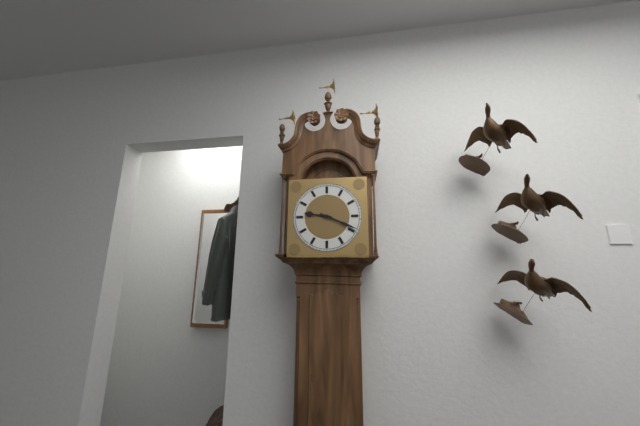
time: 9:19
